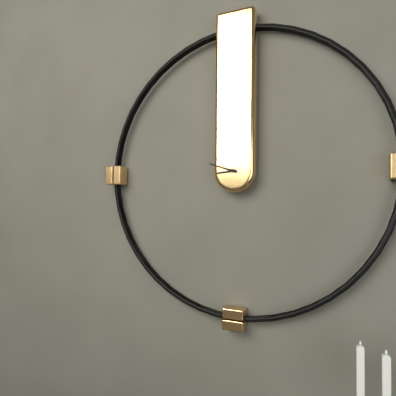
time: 8:48
